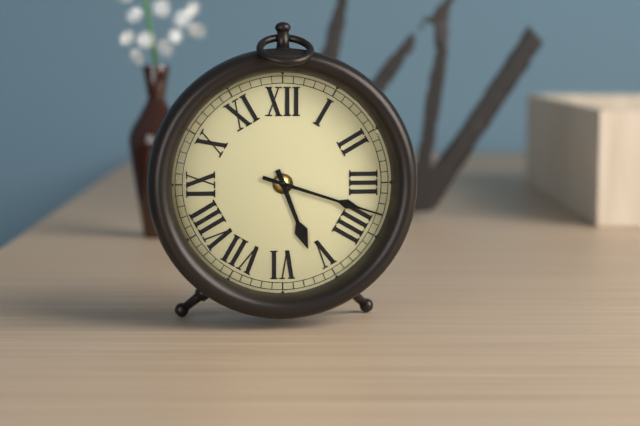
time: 5:18
